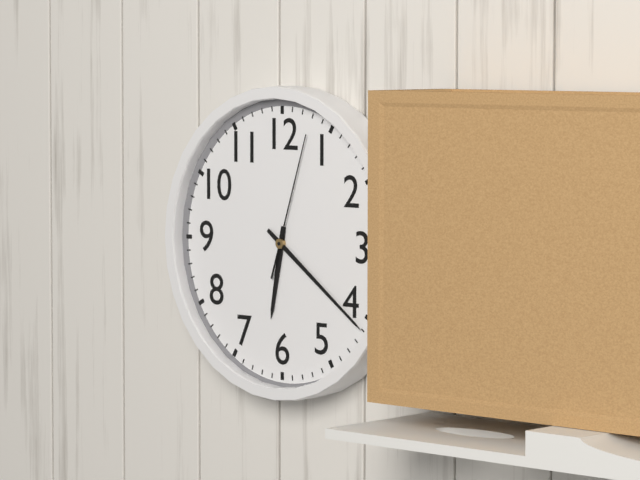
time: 6:21:03
